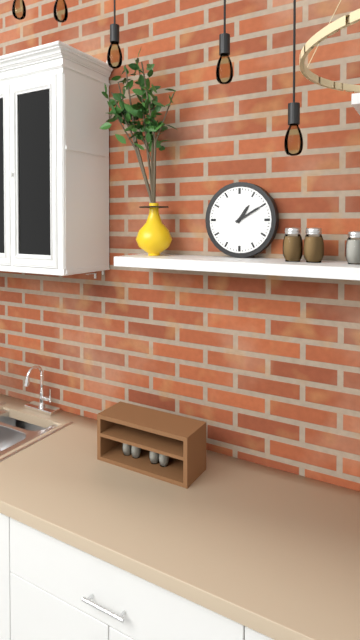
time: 1:10
